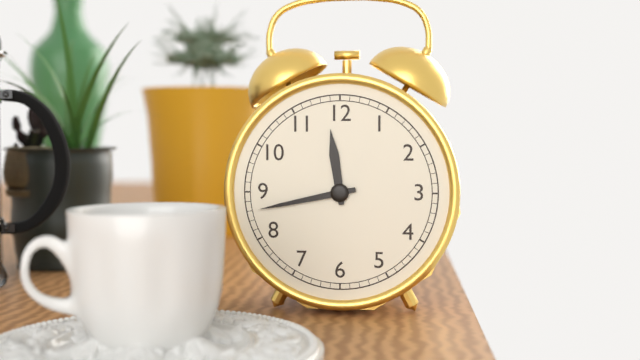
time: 11:43
